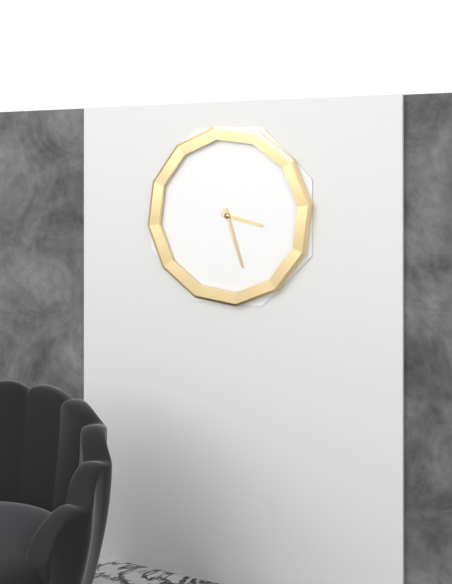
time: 3:27
